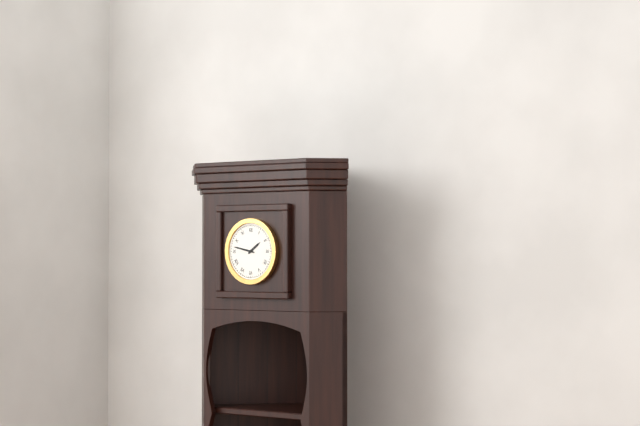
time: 1:47
